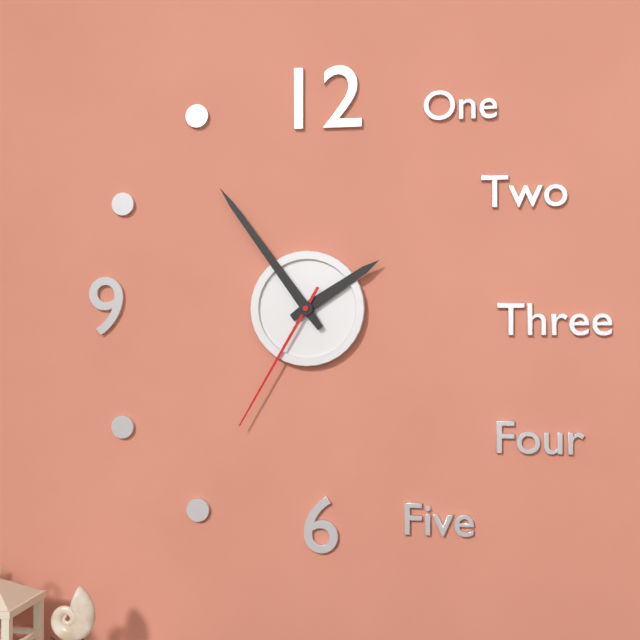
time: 1:54:35
